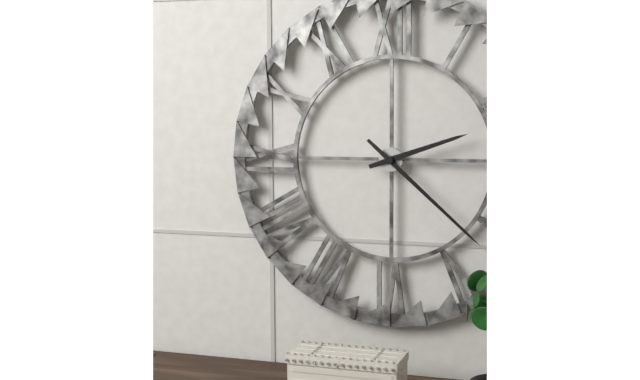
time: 2:22
